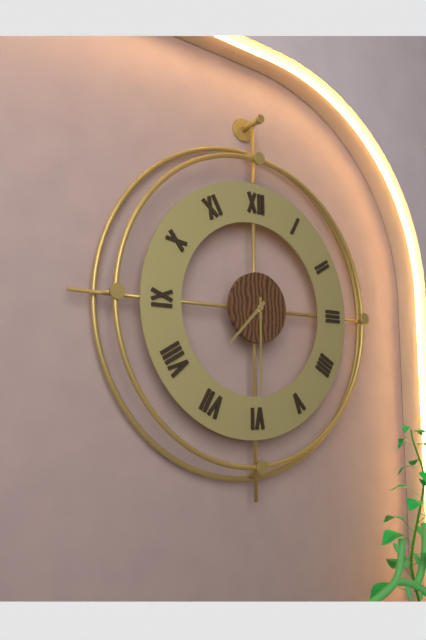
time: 7:30
